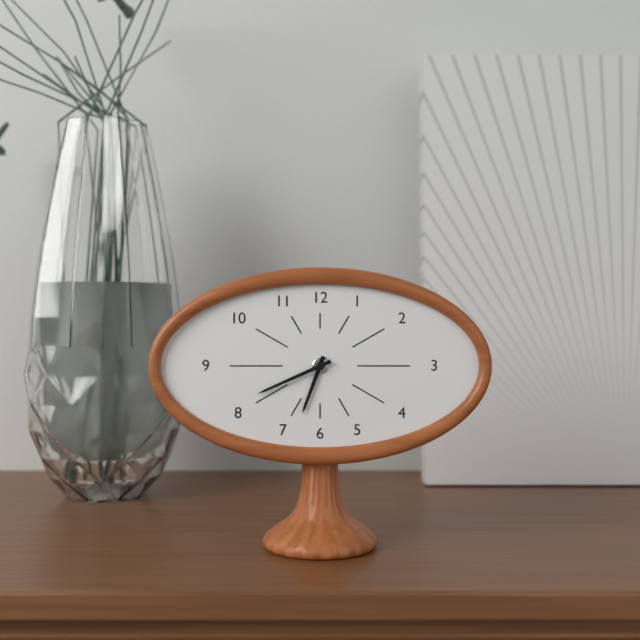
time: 6:41
